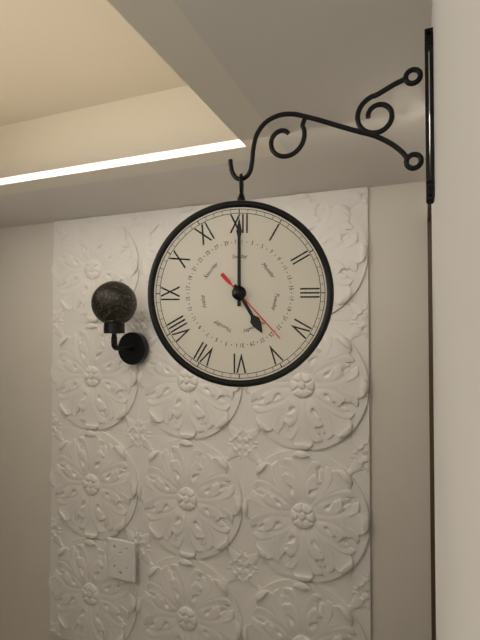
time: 5:00:23
